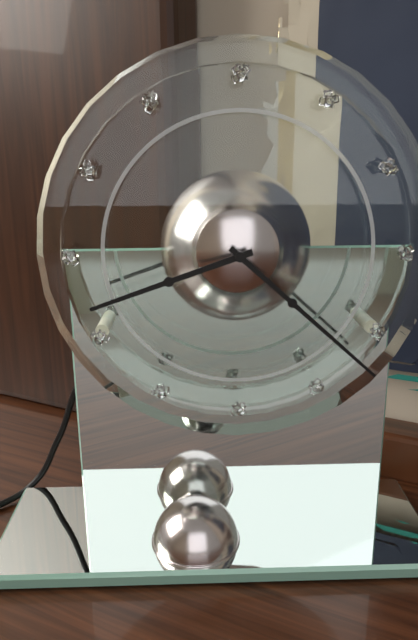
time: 8:22
